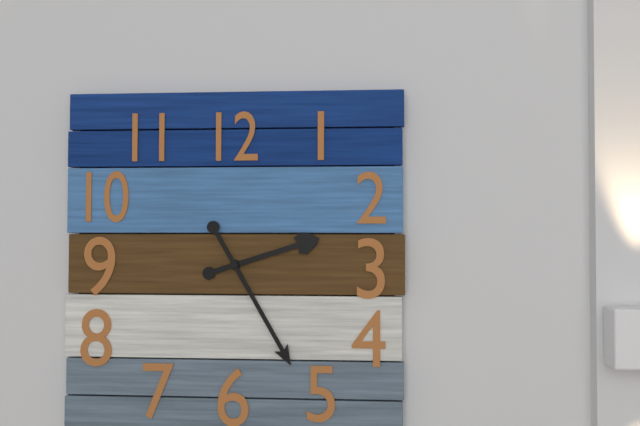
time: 2:25
